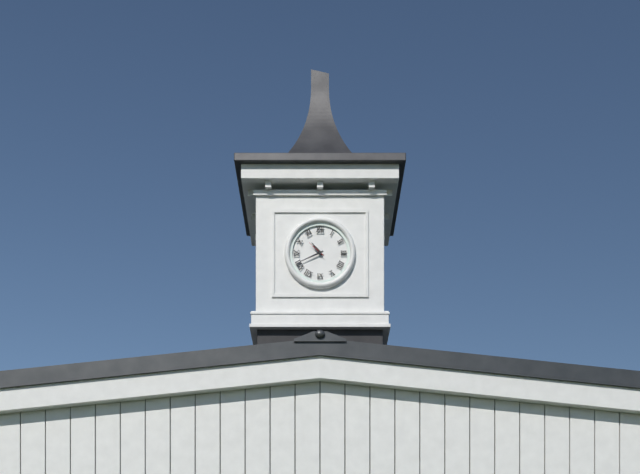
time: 10:41
